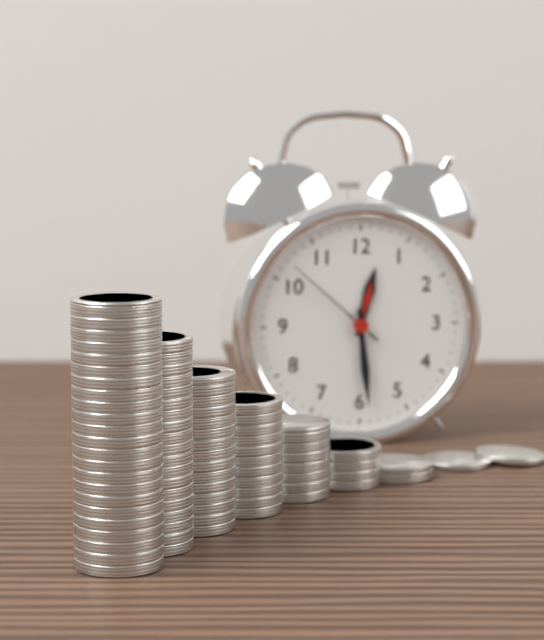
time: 12:29:52
